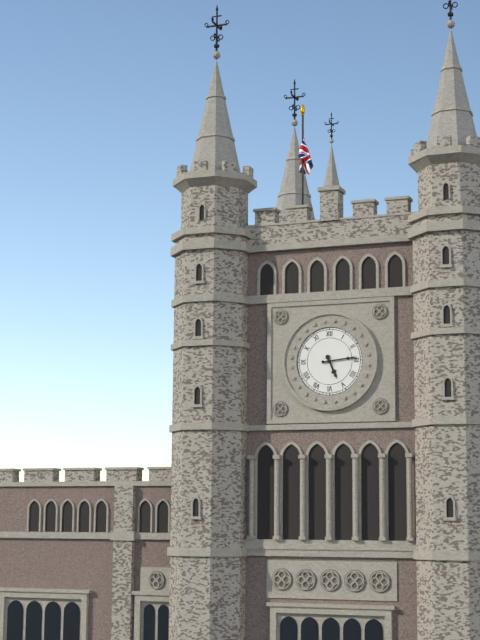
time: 5:14
